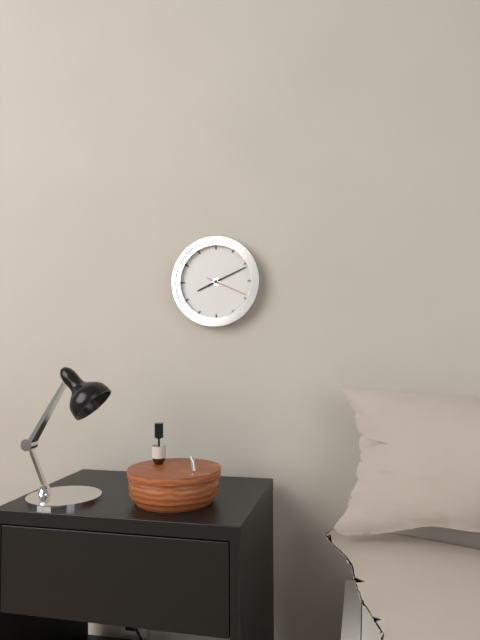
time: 8:11
